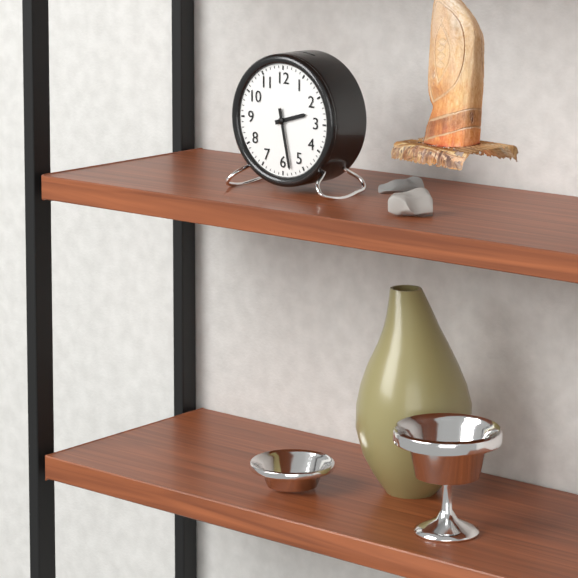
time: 2:28
